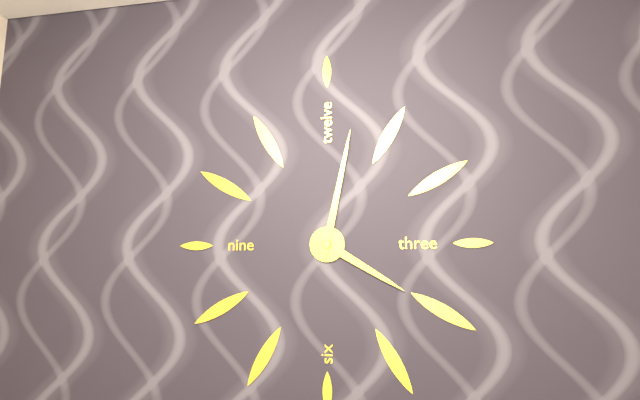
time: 4:02
